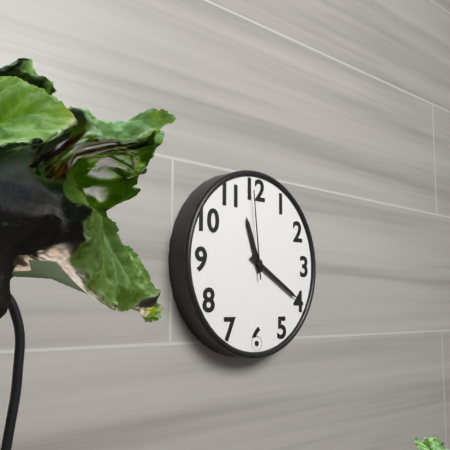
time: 11:20:59
